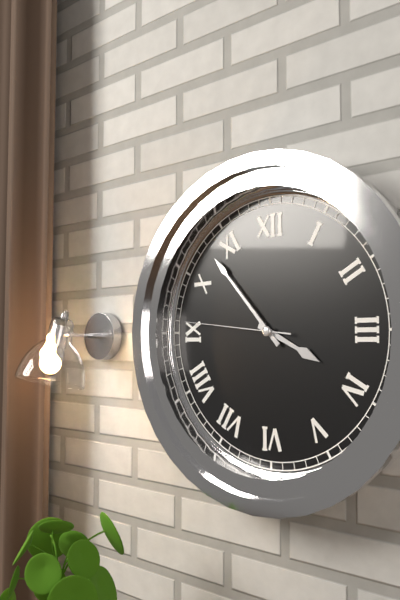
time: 3:53:46
